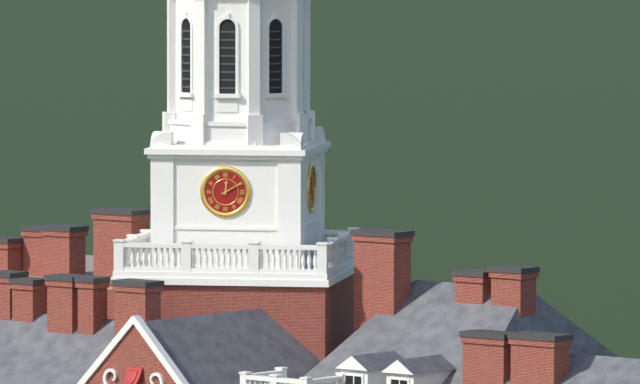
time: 12:10
